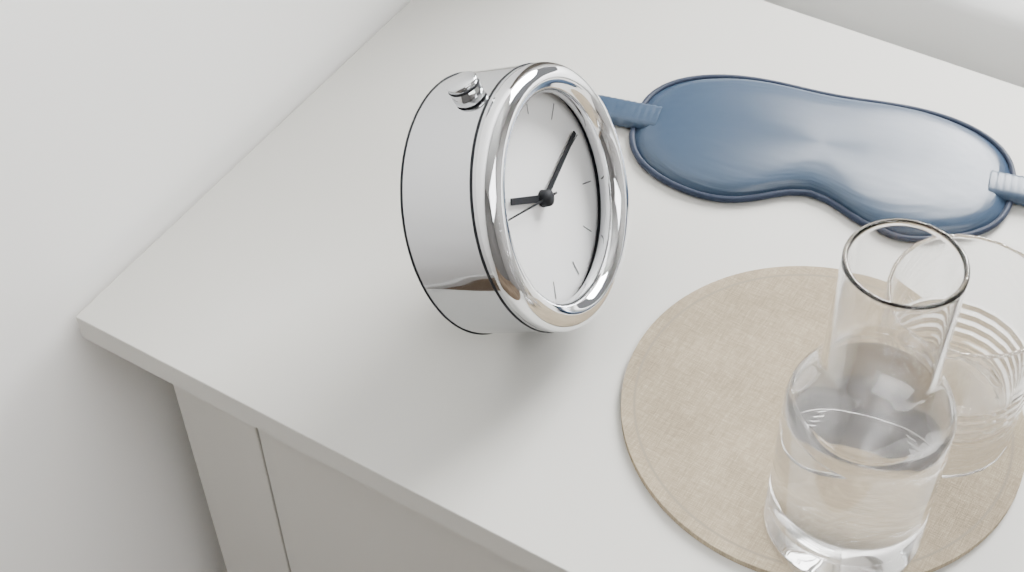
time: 10:14:49
